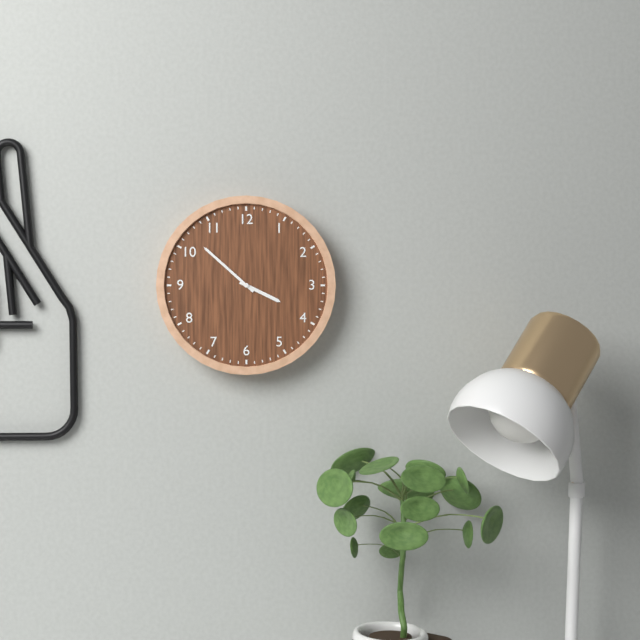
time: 3:52
